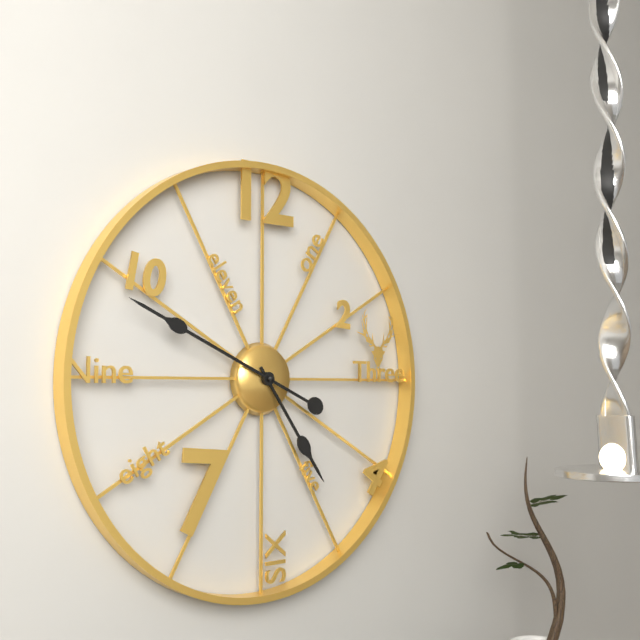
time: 4:49
